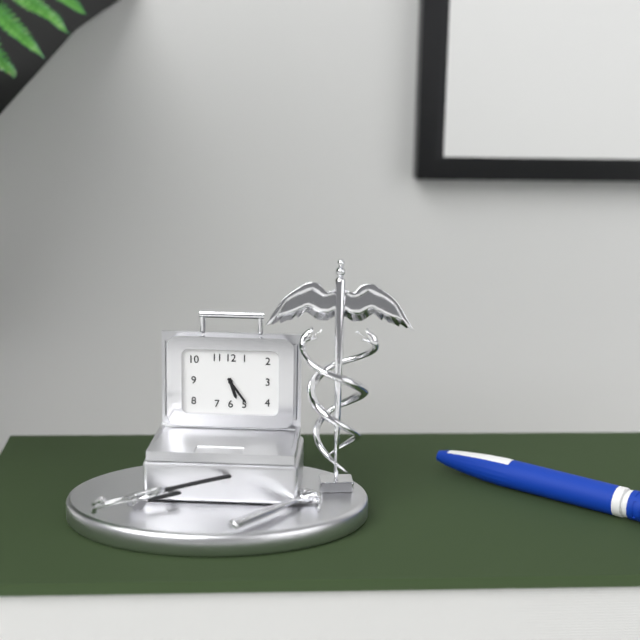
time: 5:24
